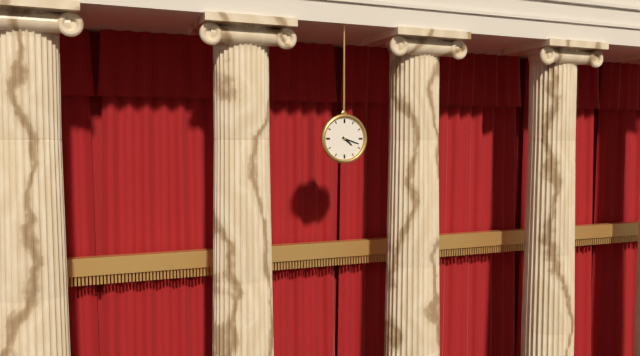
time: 4:18
